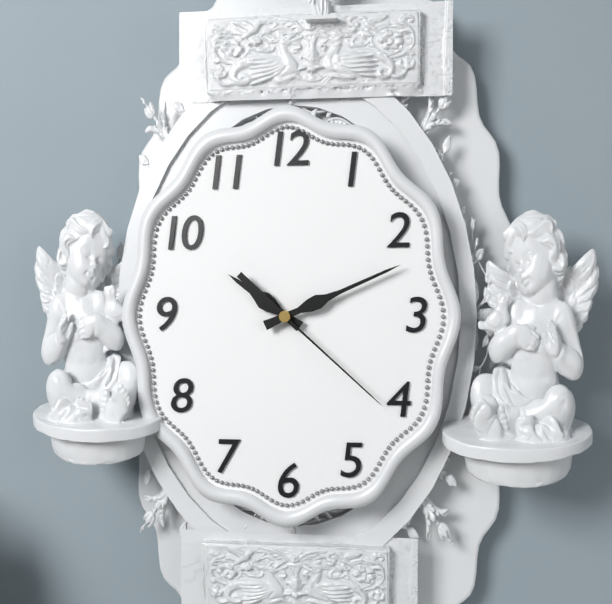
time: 10:11:22
